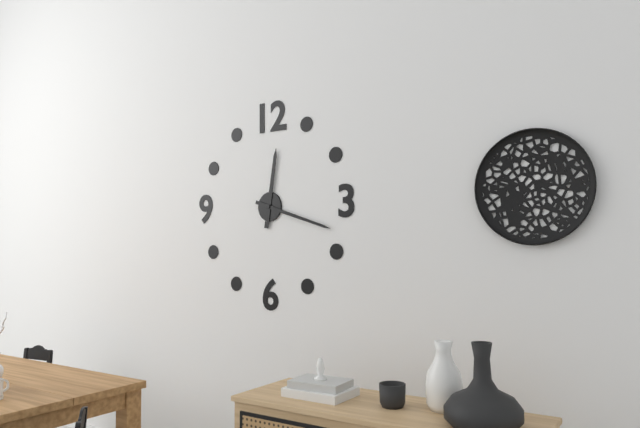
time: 12:18
